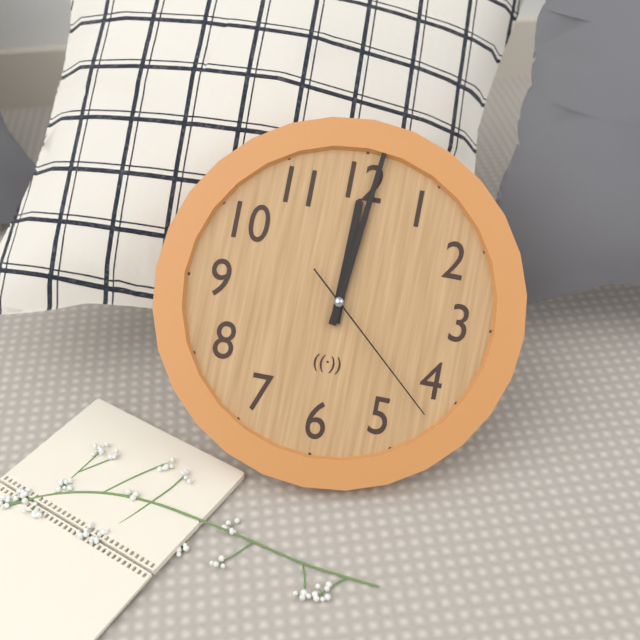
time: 12:01:22
